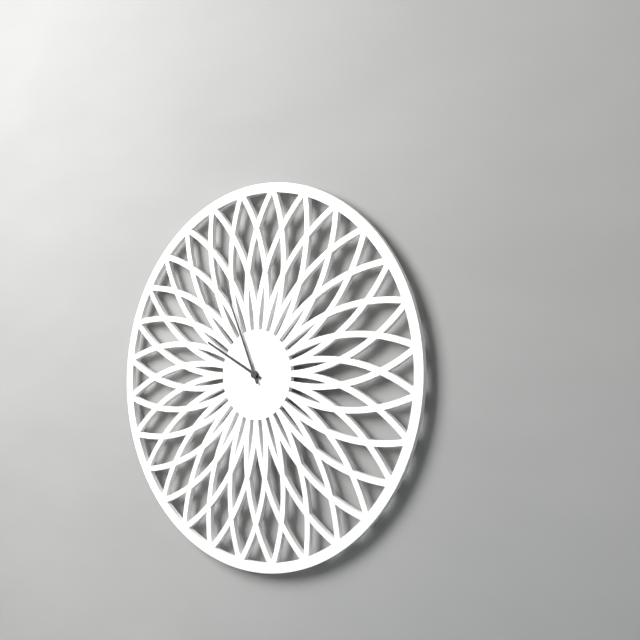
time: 9:56
